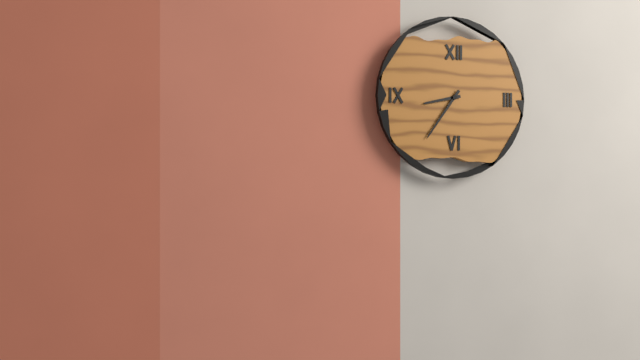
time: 8:36
